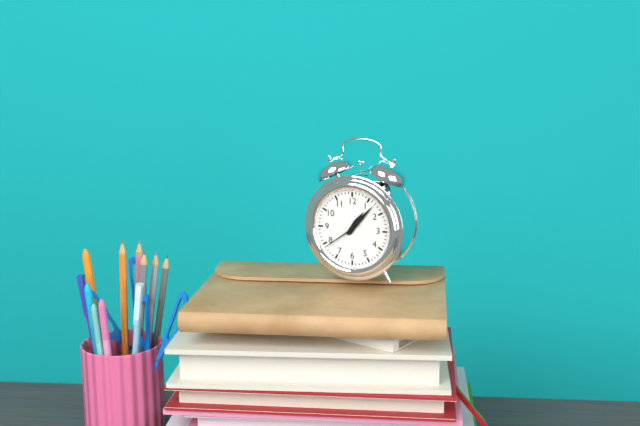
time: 1:07
